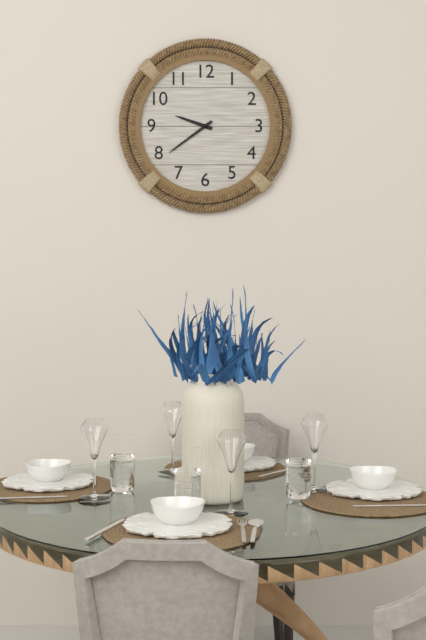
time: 9:39
